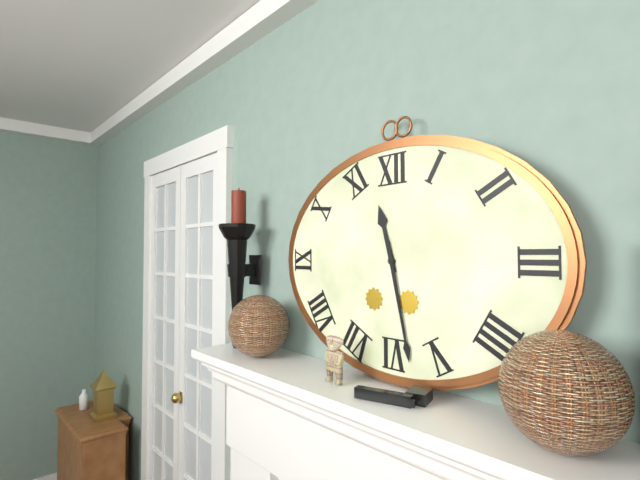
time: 11:28
